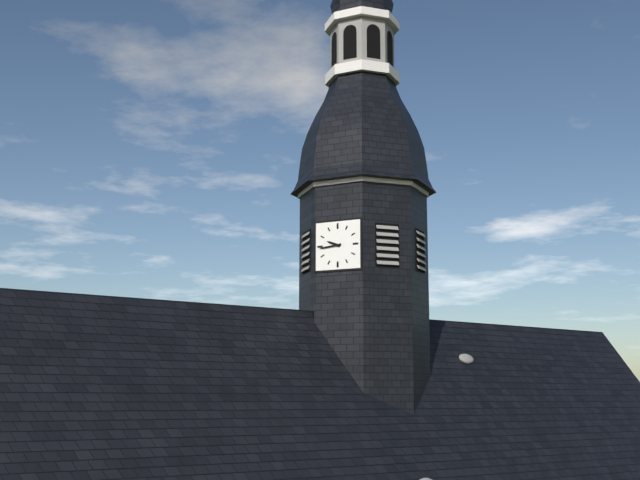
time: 9:44
